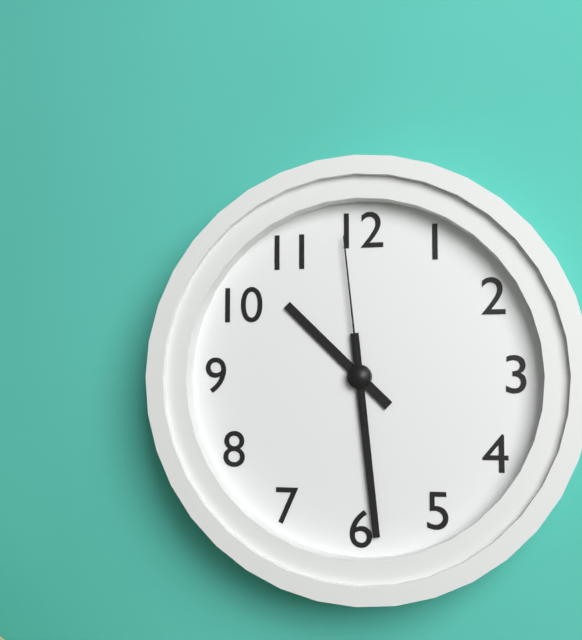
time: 10:29:59
